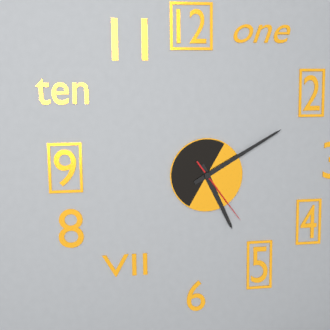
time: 5:10:24
